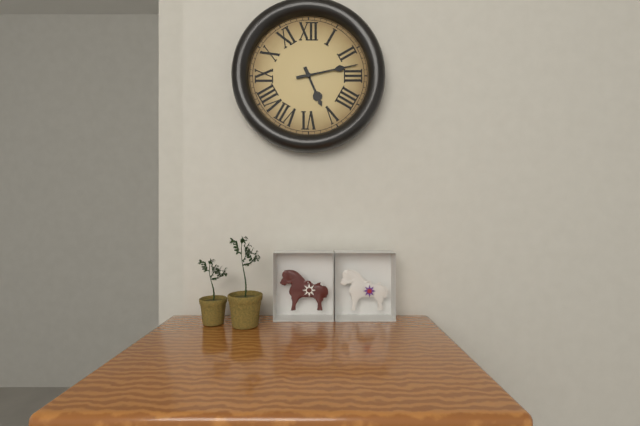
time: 5:13
